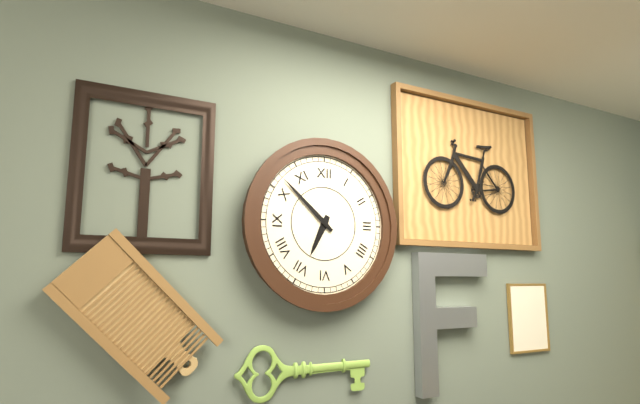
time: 6:52
